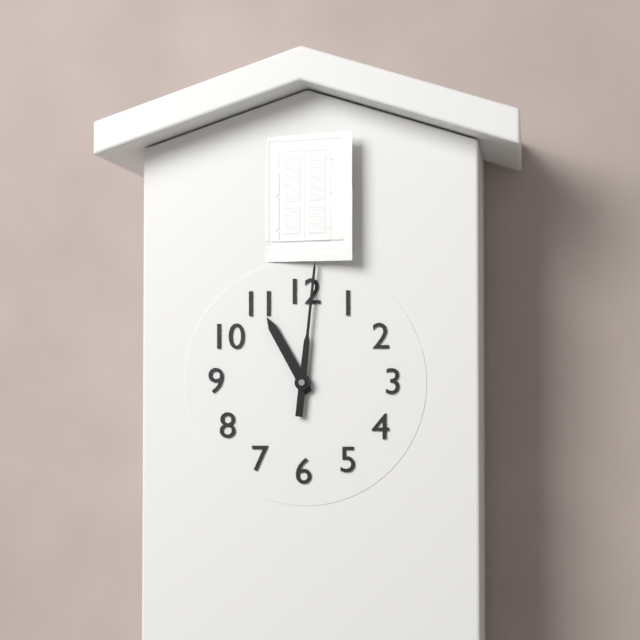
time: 11:01
